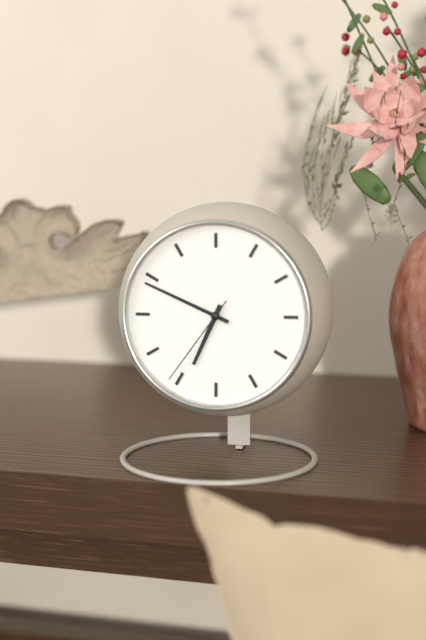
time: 6:49:36
